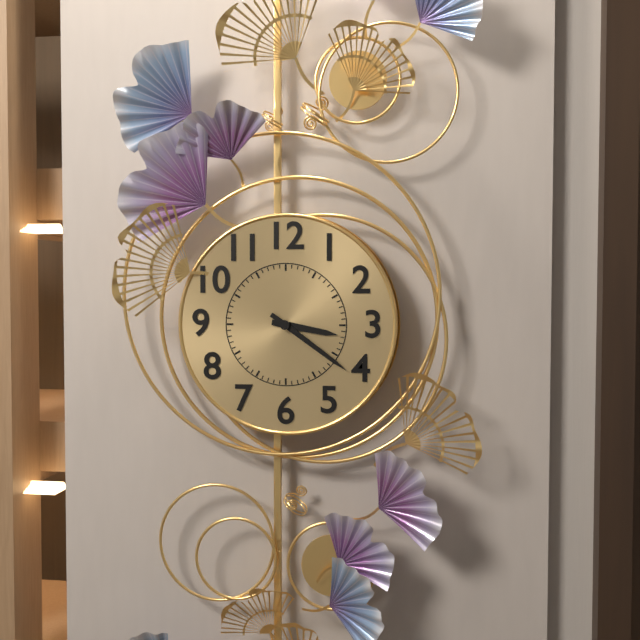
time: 3:21
